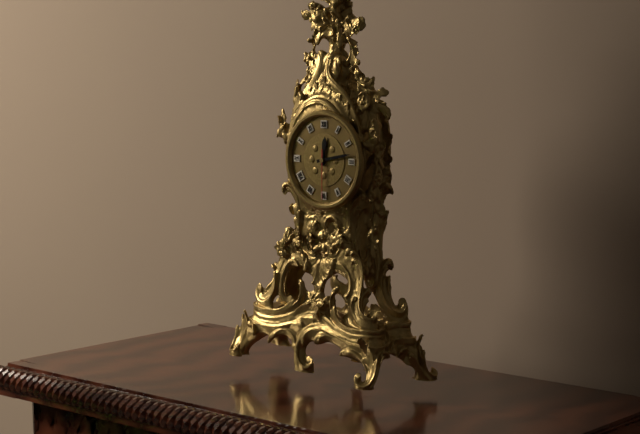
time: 12:13
